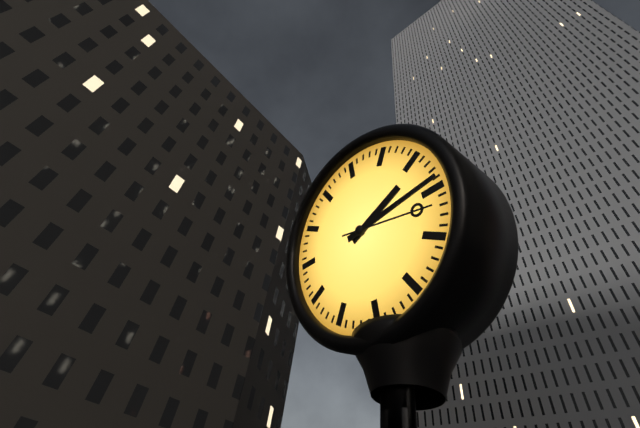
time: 2:14:17
